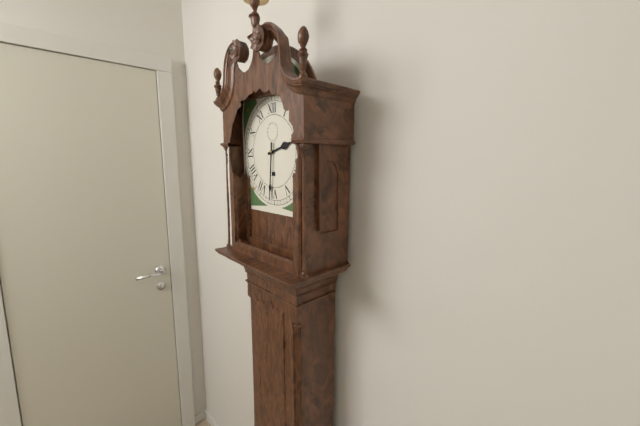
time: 2:31
